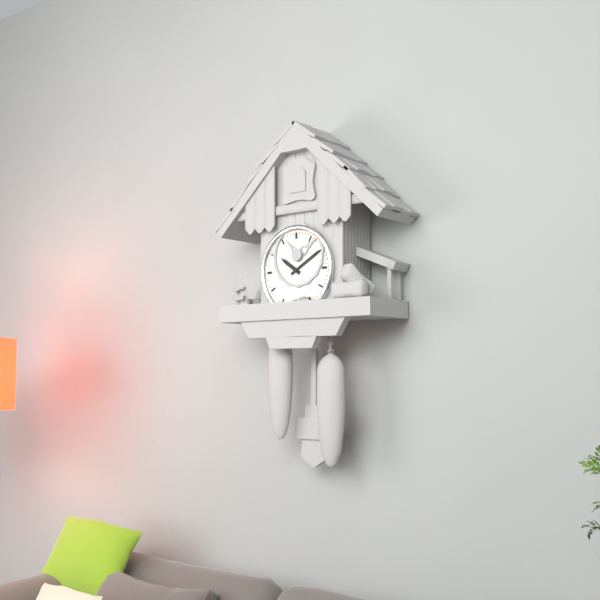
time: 10:10
